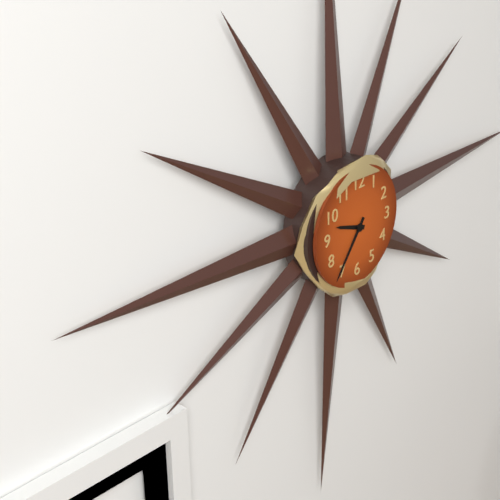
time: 9:36
